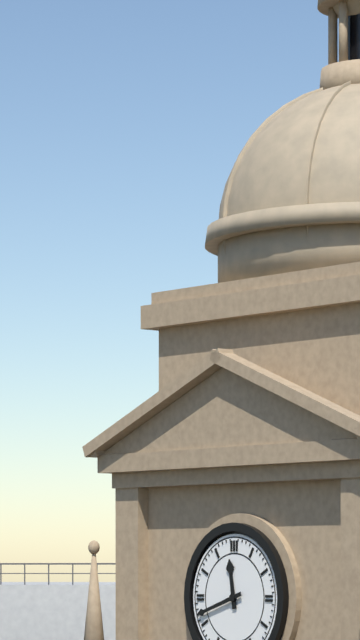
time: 11:42
